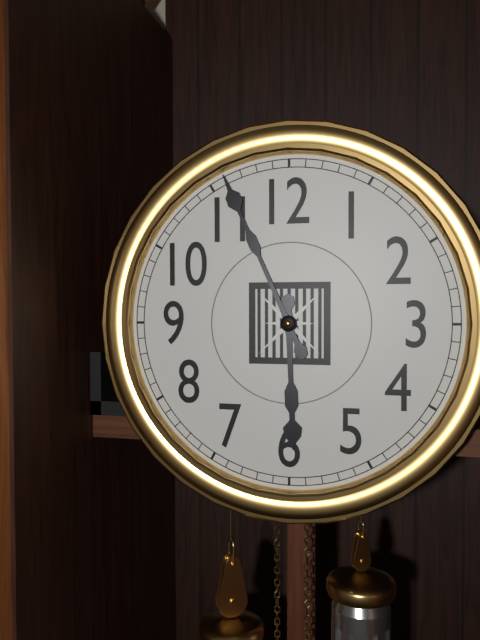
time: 5:56
